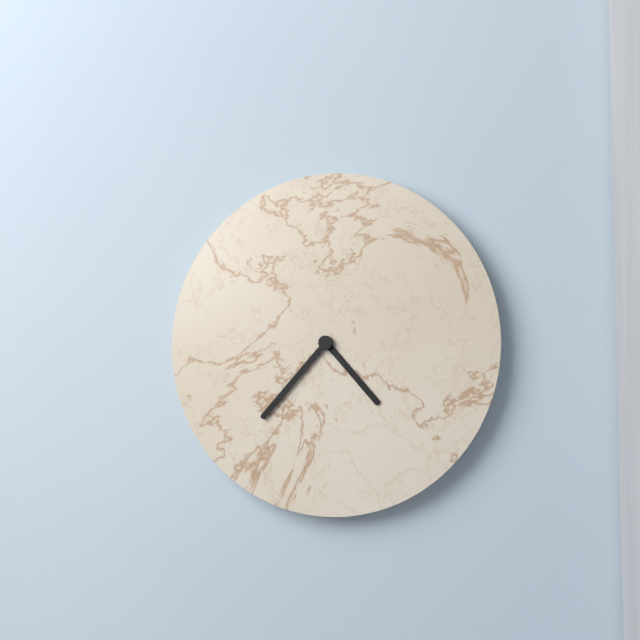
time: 4:37
